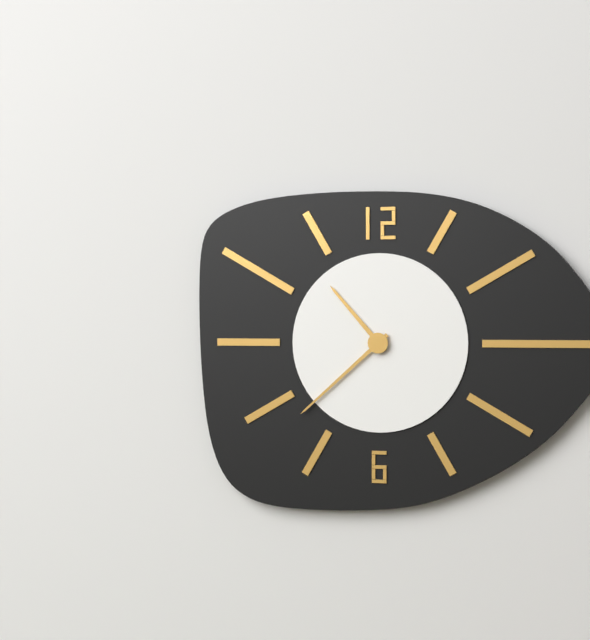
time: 10:38
